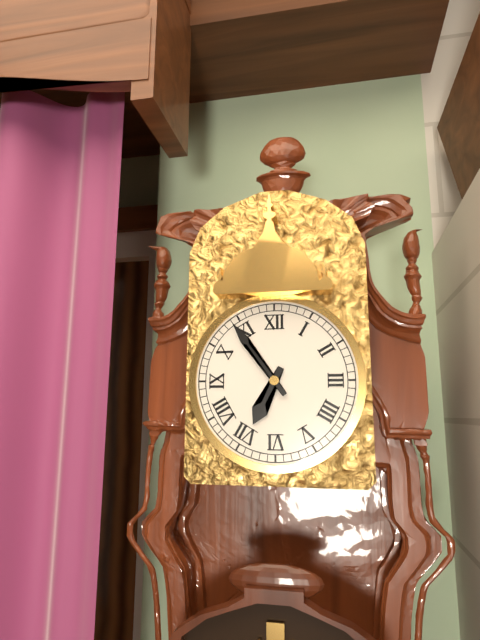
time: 6:54
